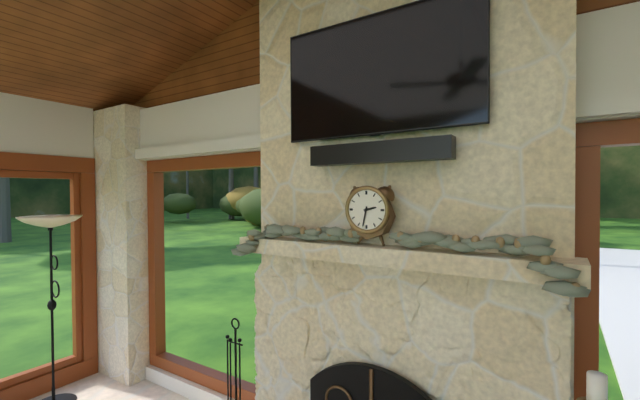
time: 2:32
